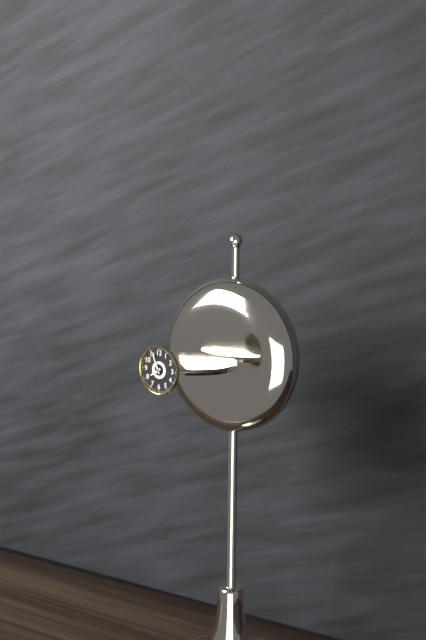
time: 7:56
